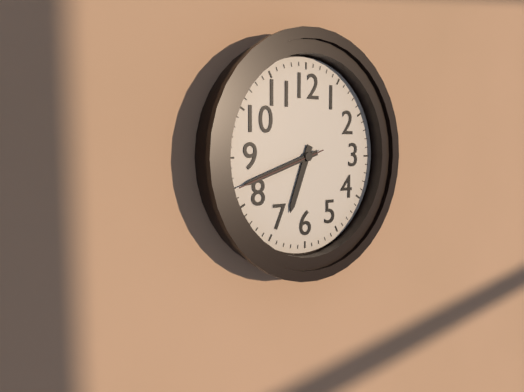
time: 6:42:42
